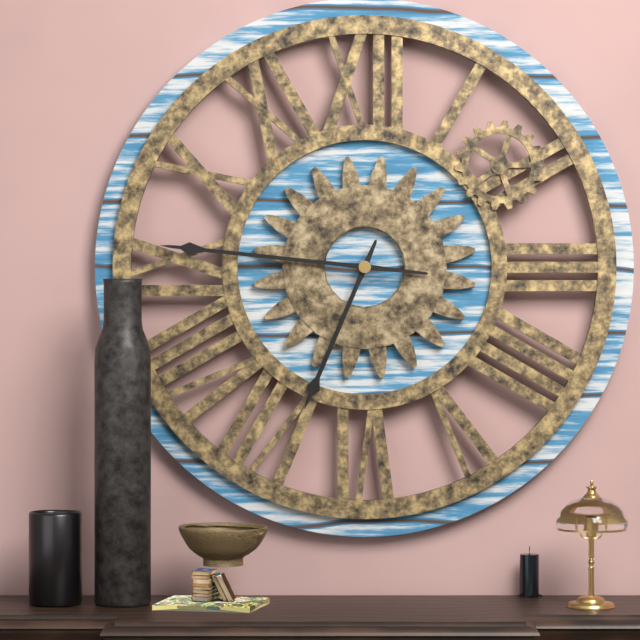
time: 6:46
